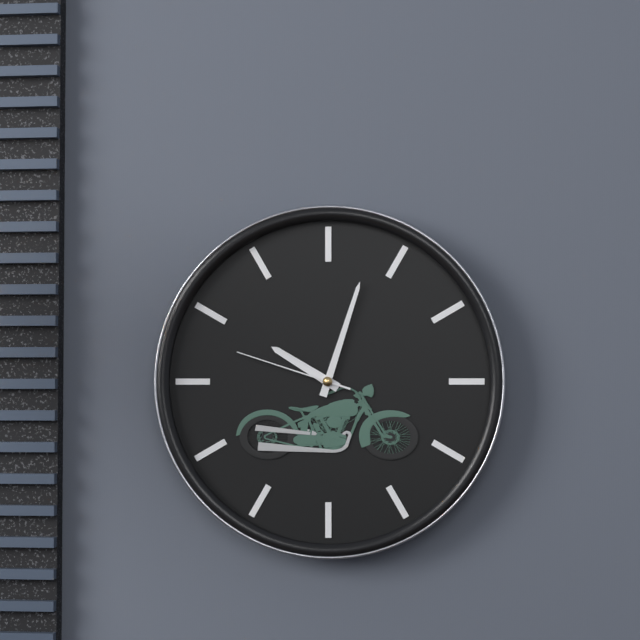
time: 10:03:48
